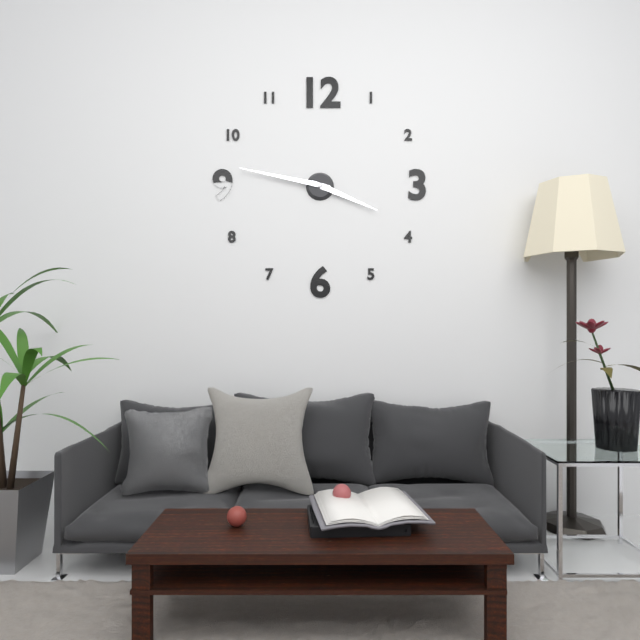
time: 3:47
